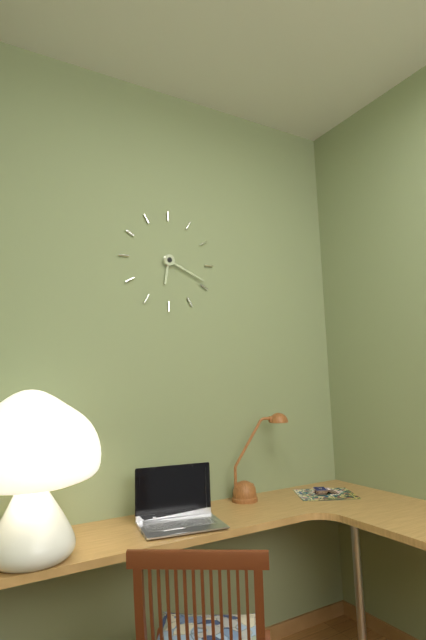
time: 6:19
